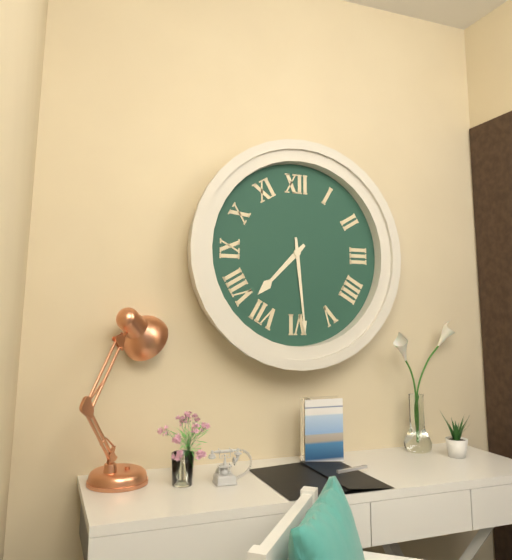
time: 7:29
